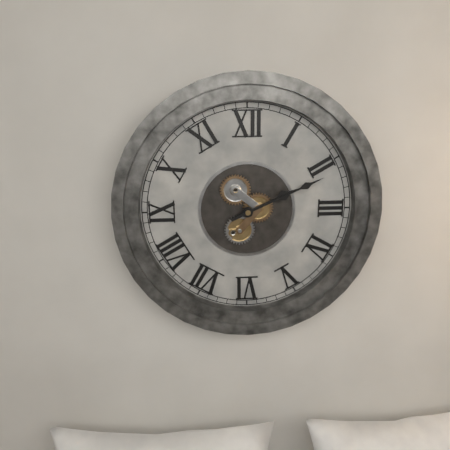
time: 2:11
